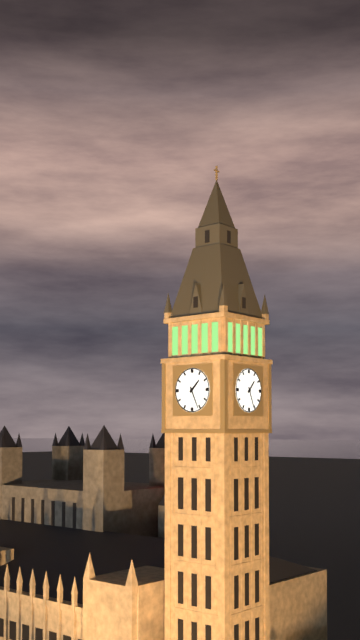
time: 1:26
